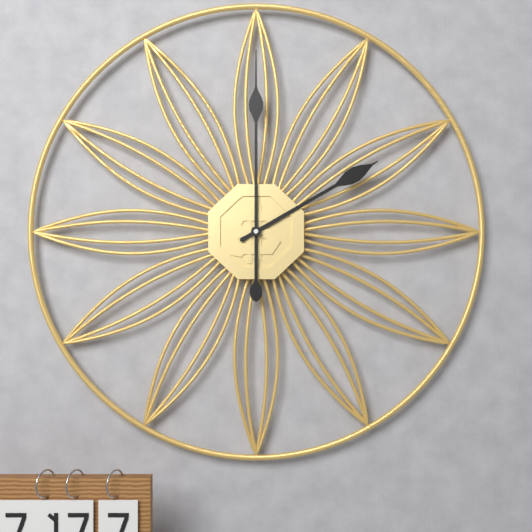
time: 2:00
